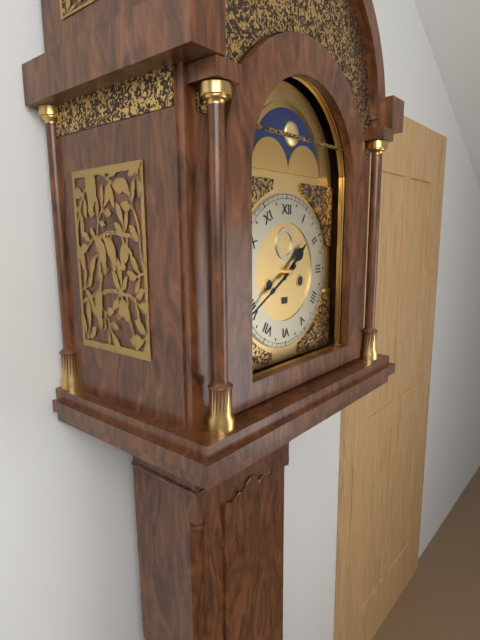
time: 1:40
